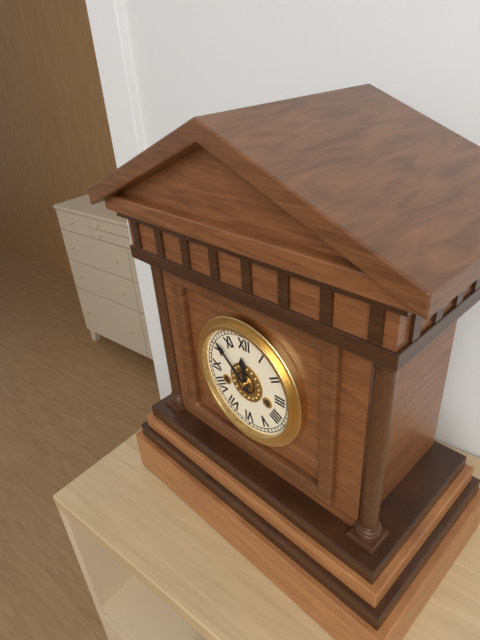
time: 11:52
